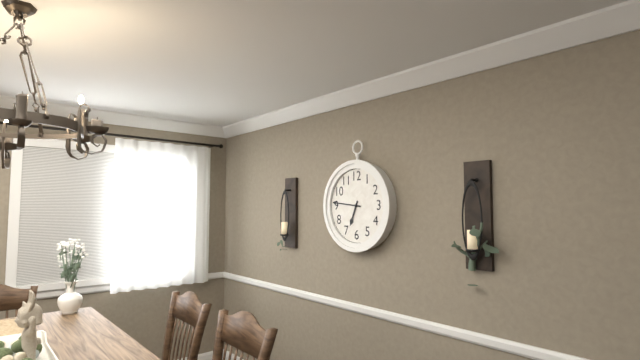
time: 6:46
